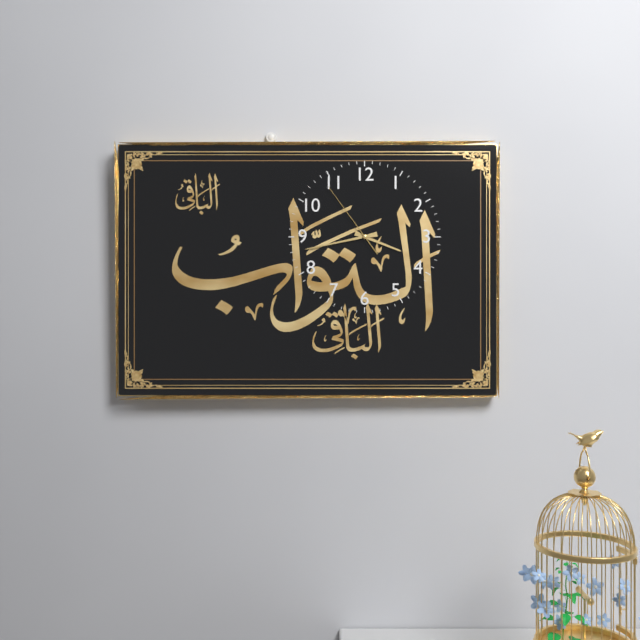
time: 3:43:54
